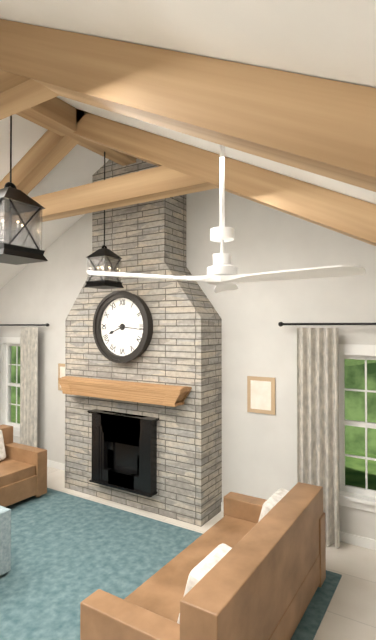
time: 8:16
